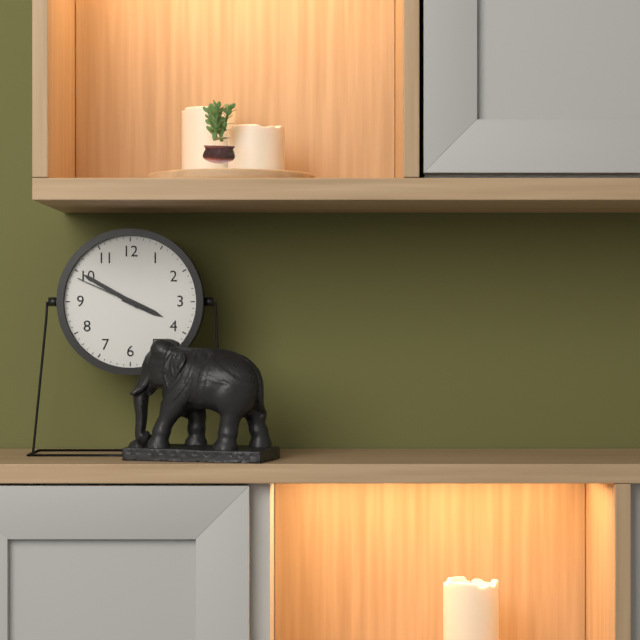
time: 3:50:49
